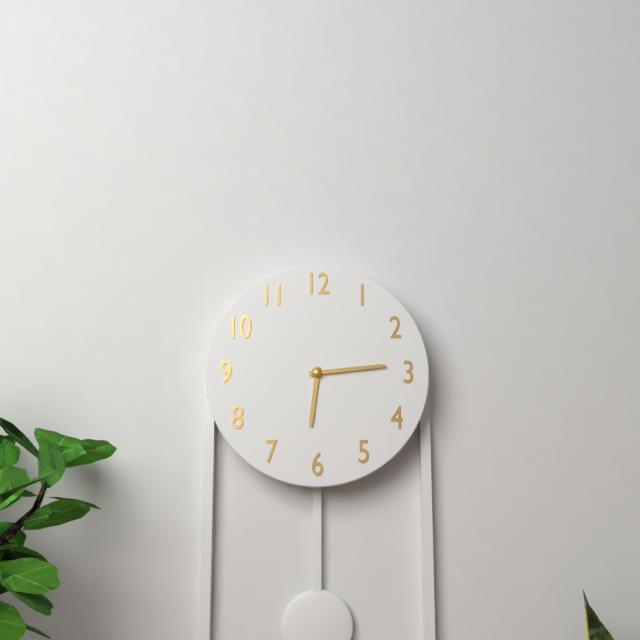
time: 6:14
